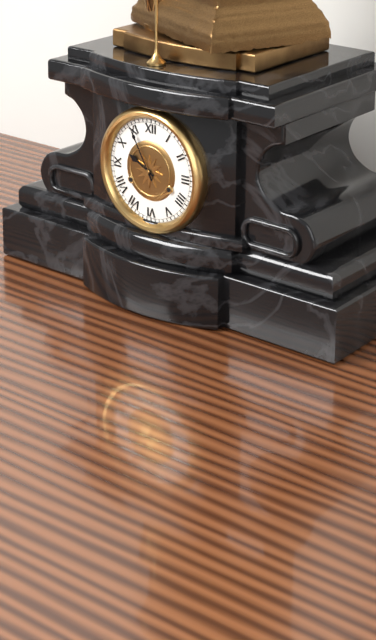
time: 9:55
